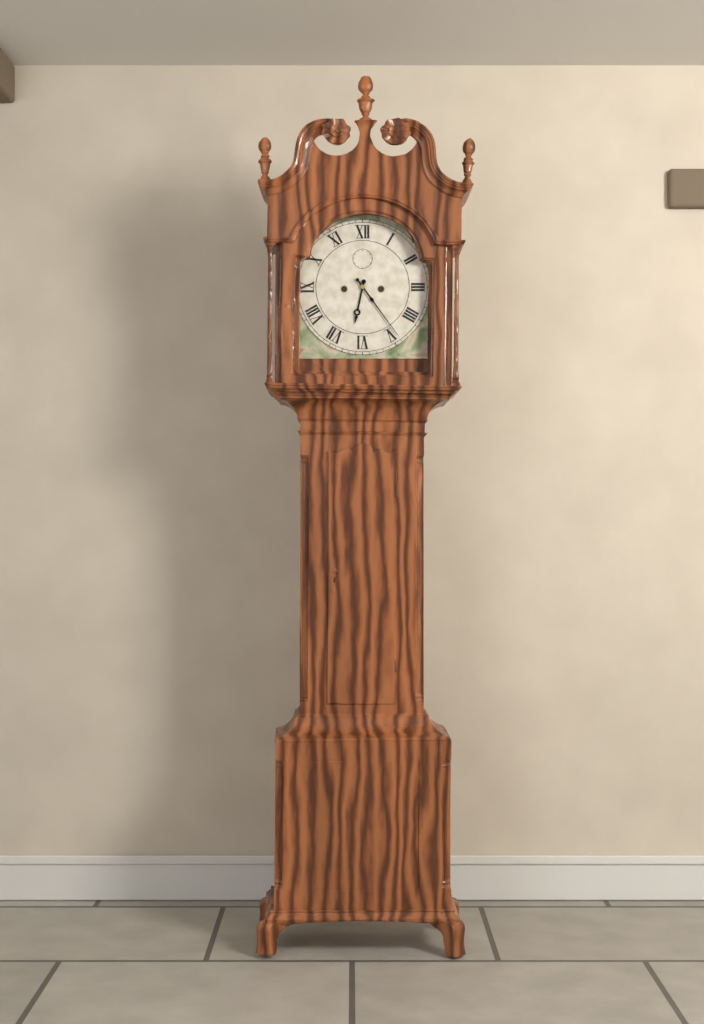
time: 6:24
